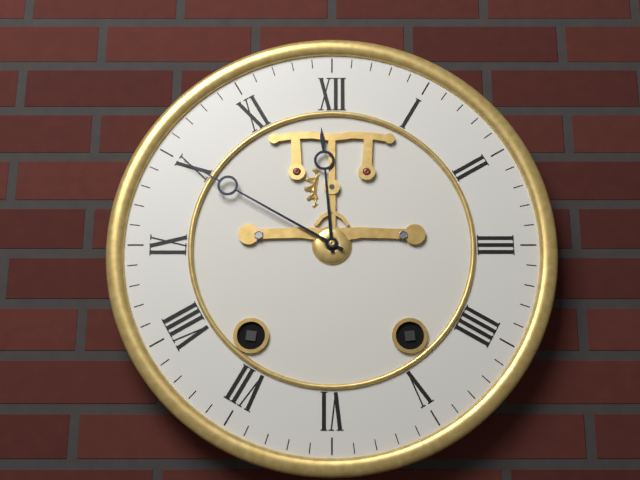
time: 11:50
